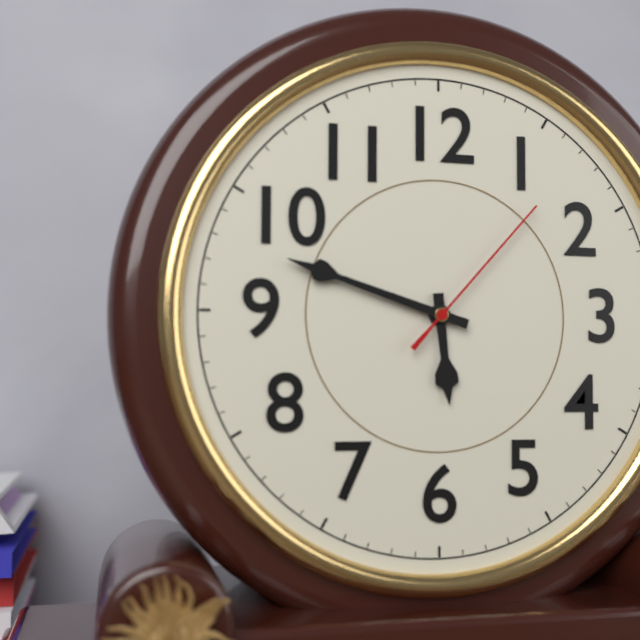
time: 5:48:07
